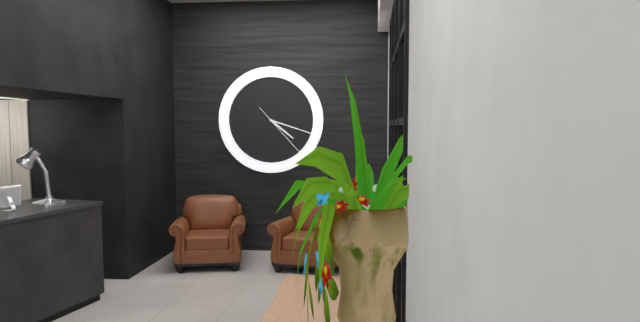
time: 4:18:23
